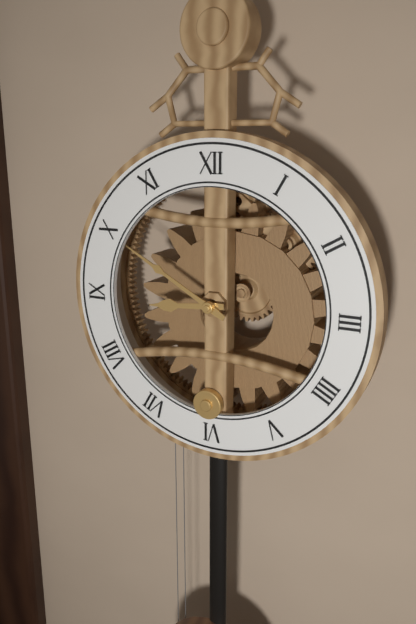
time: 8:50
